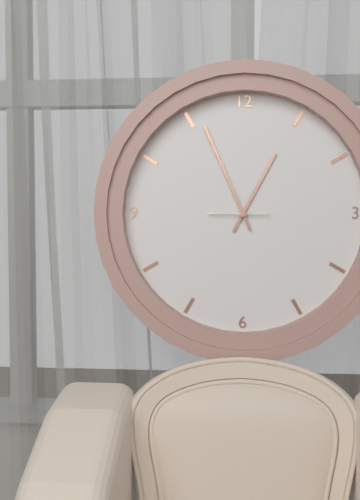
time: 12:56
